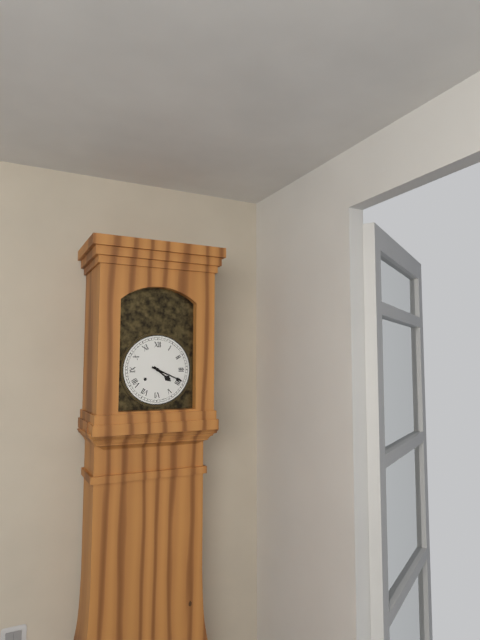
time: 4:19
